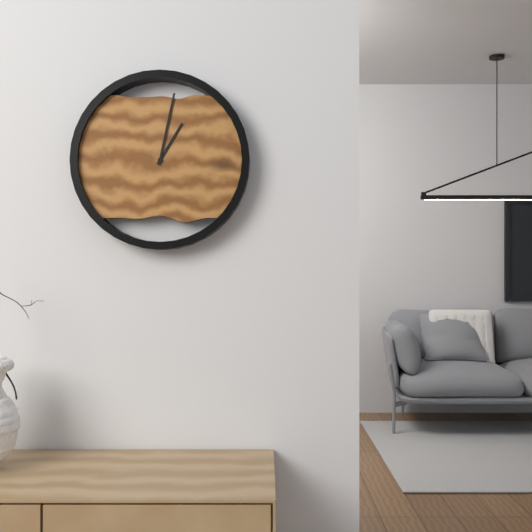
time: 1:02
